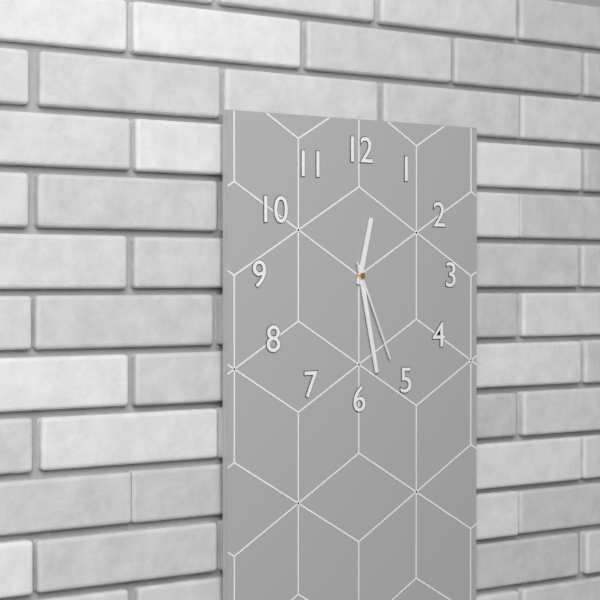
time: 12:28:26
